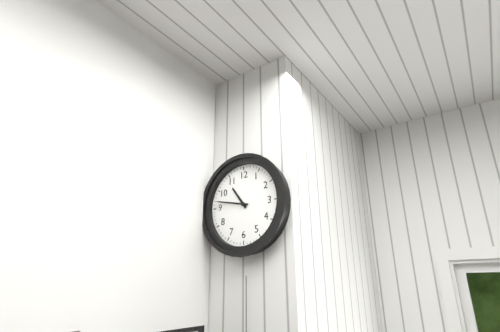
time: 10:47
